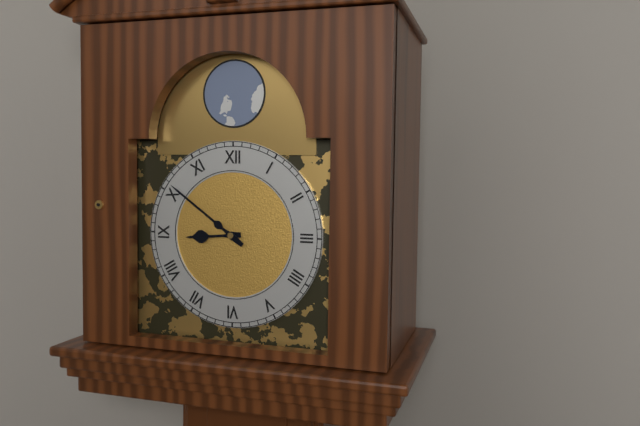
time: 8:51
